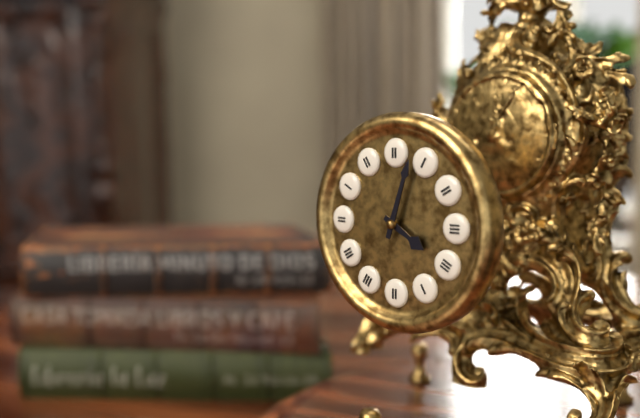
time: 4:03
